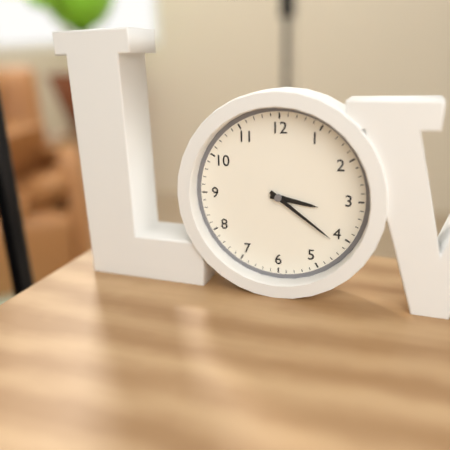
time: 3:21
